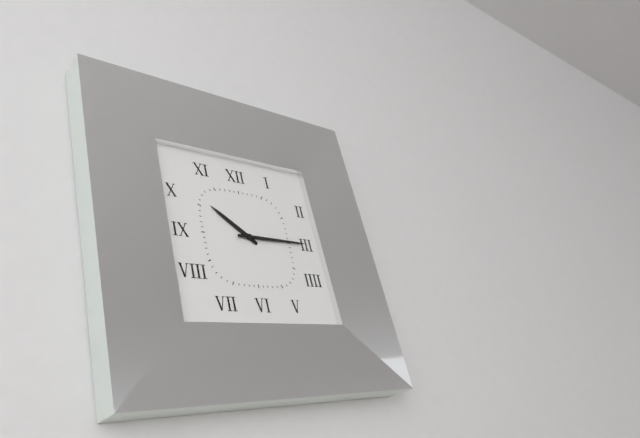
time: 10:15
